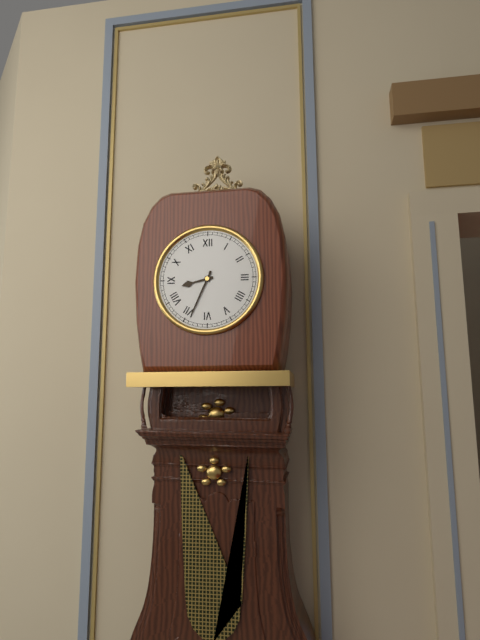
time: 8:34
